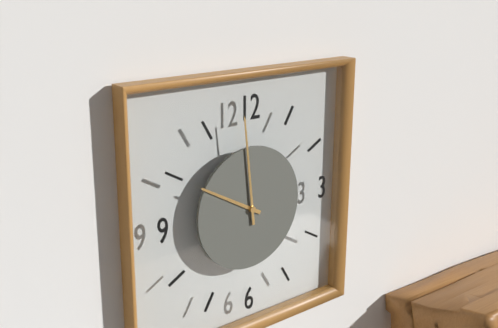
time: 9:59
